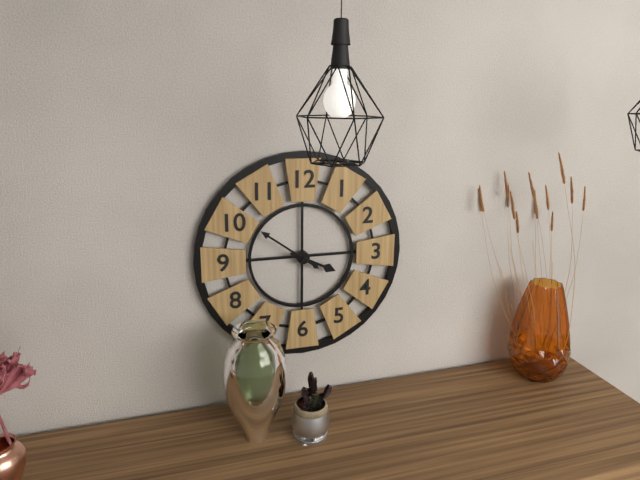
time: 3:51
